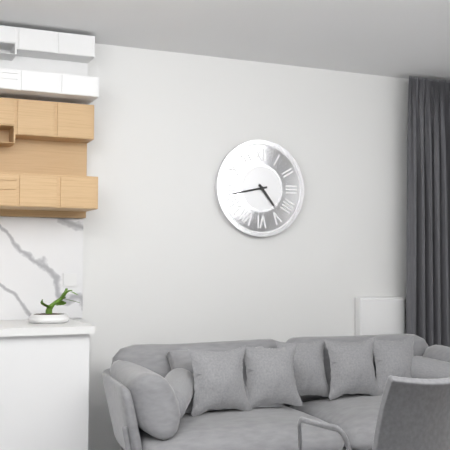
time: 4:43
